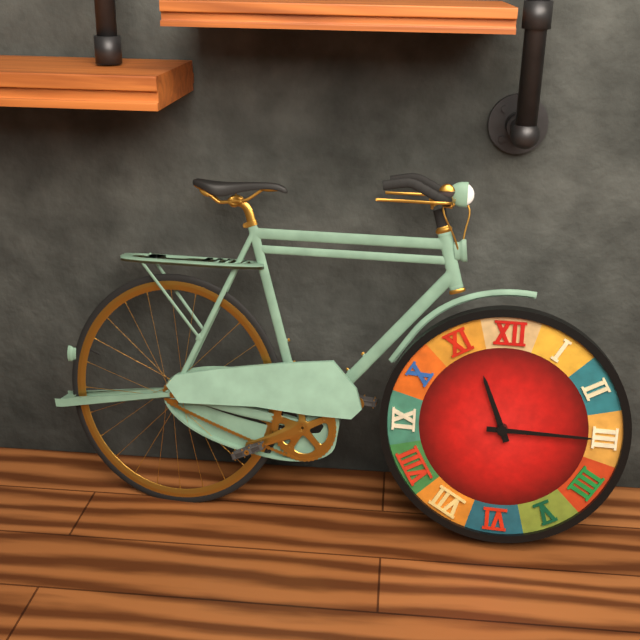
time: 11:15
